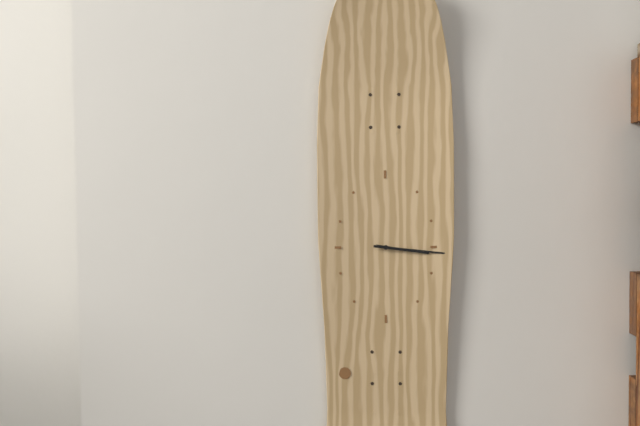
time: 3:16
